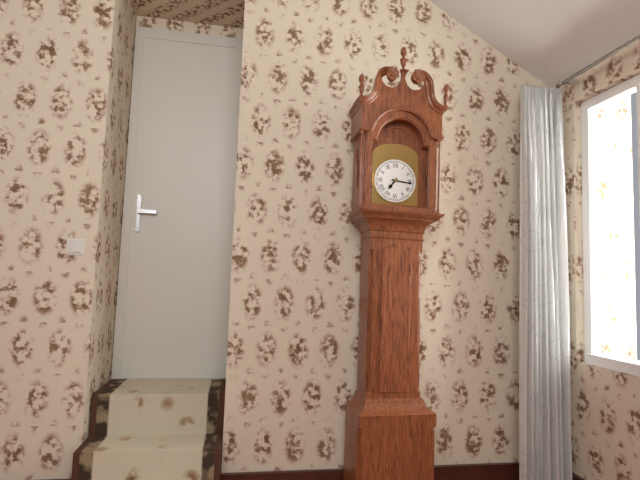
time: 7:16
